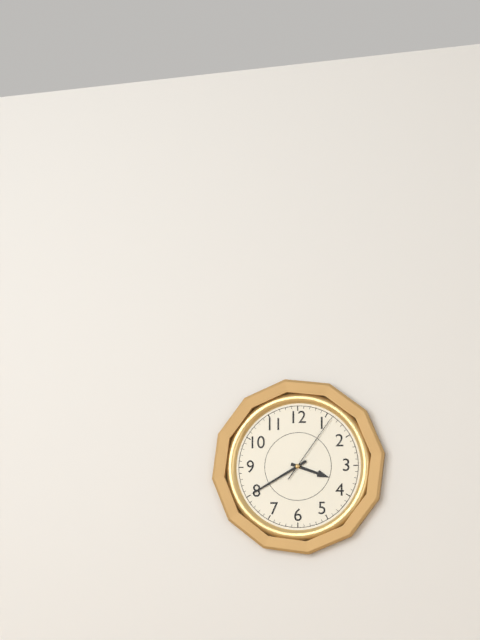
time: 3:40:06
